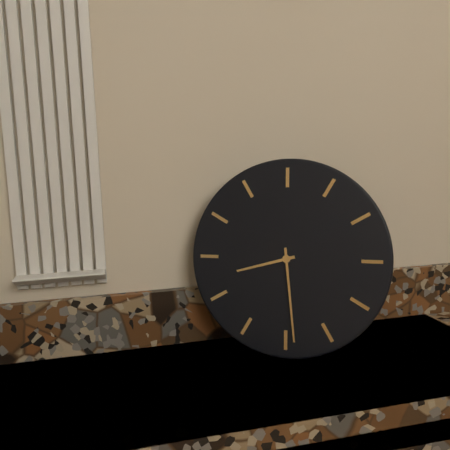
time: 8:29
